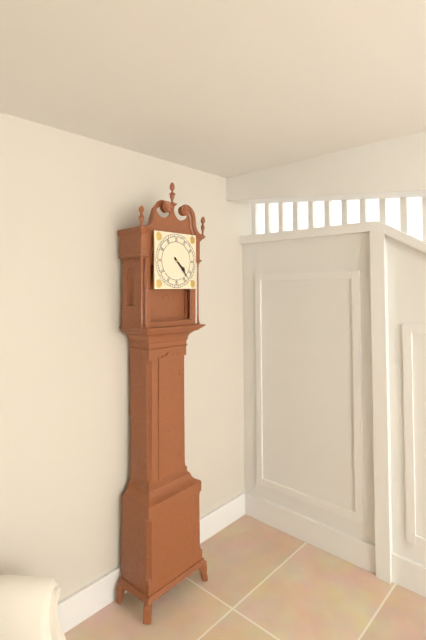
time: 4:23
